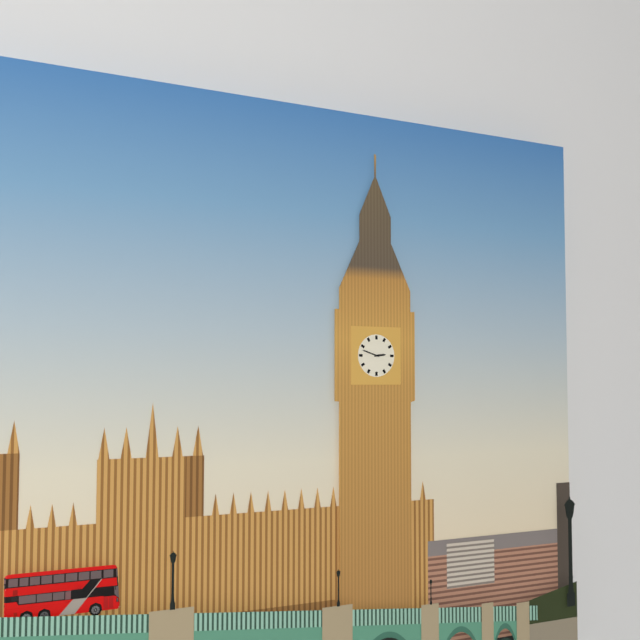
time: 2:48
